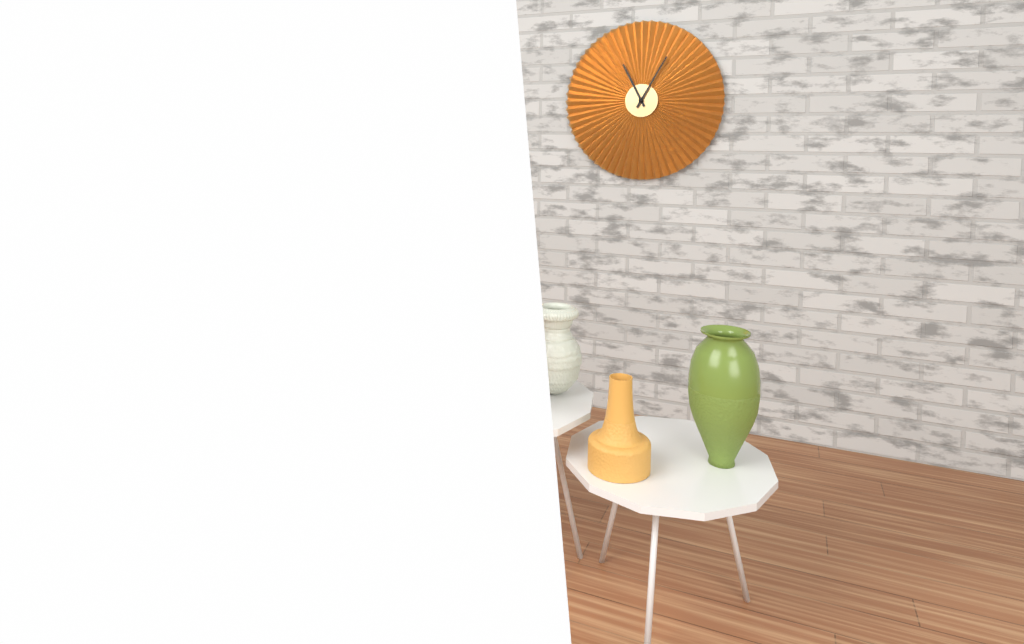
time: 11:05
